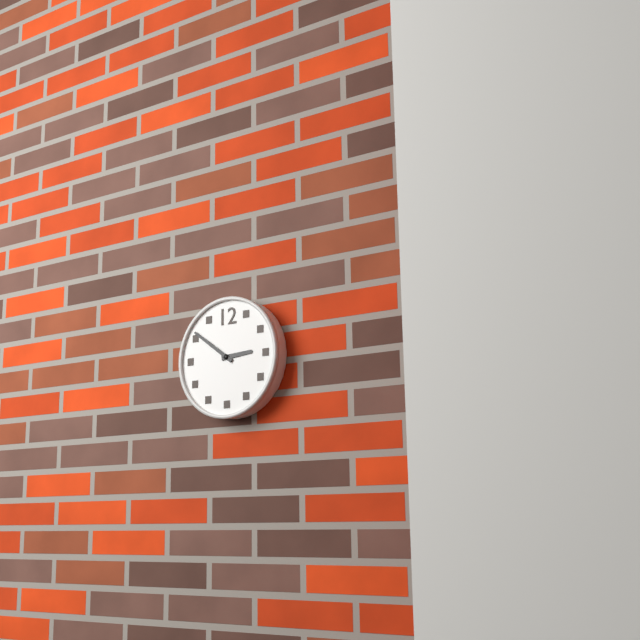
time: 2:51
